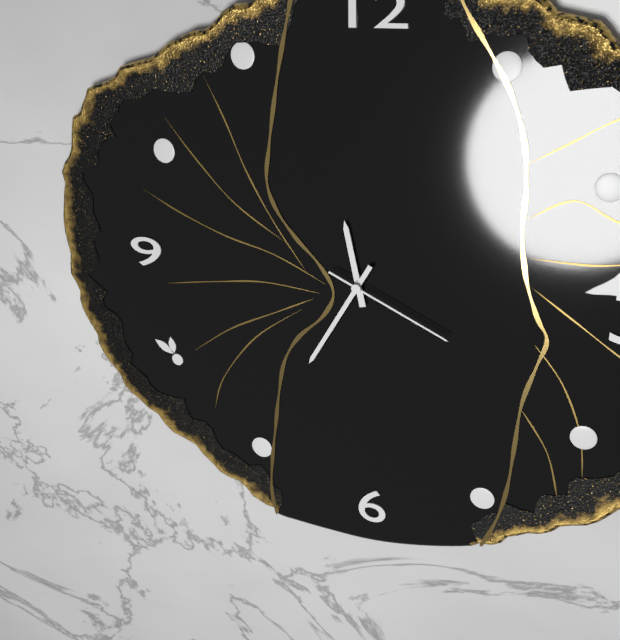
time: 11:35:19
